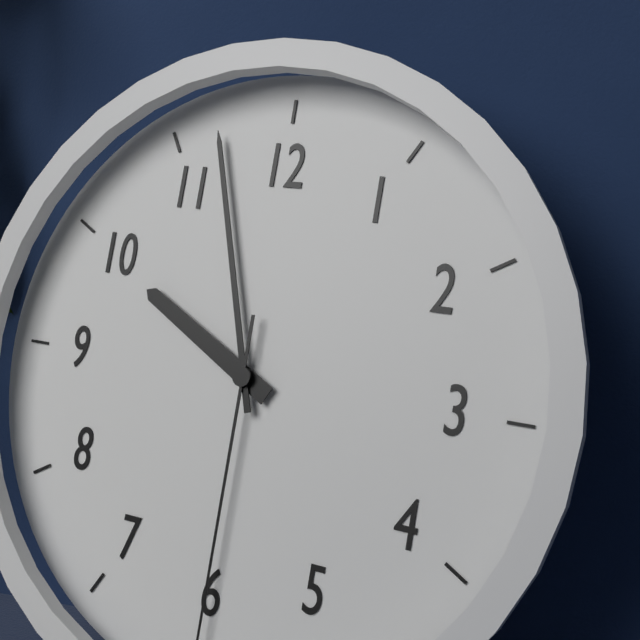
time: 9:57
